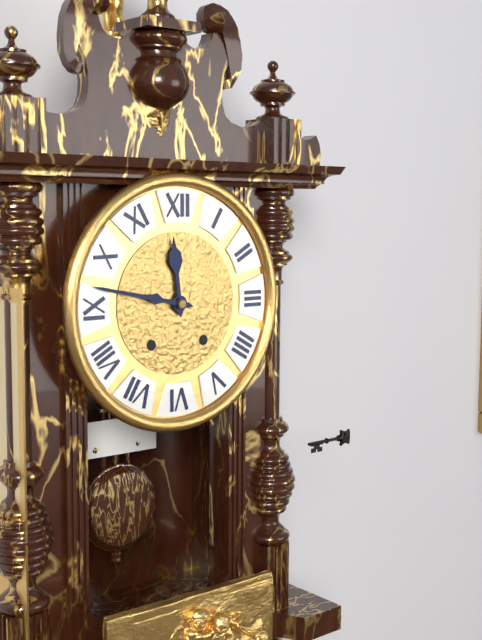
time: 11:47
